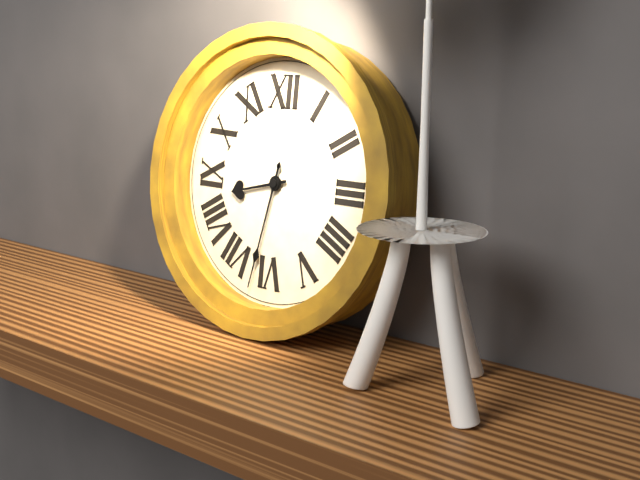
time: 8:32
